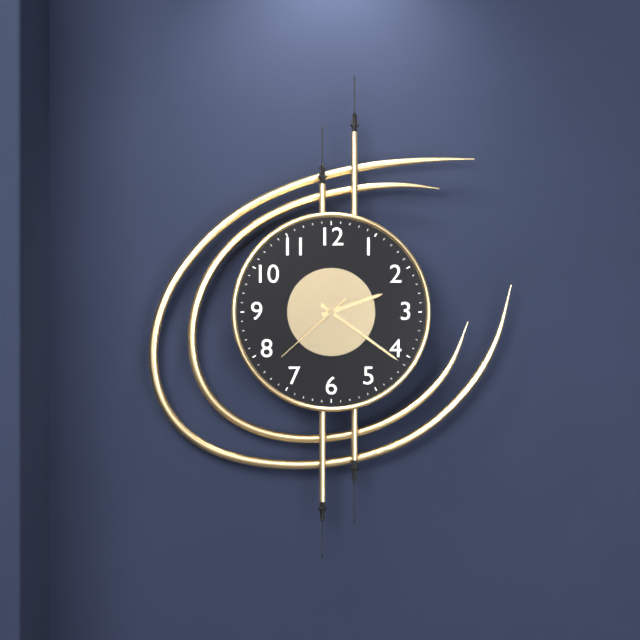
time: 2:21:38
